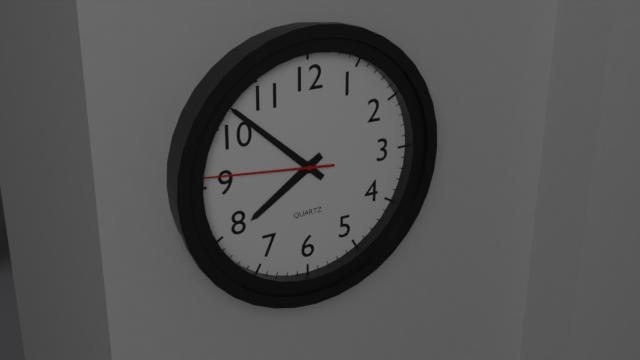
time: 7:52:46
